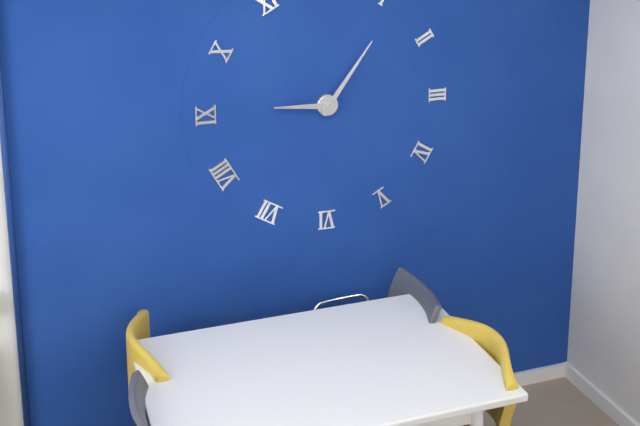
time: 9:06
